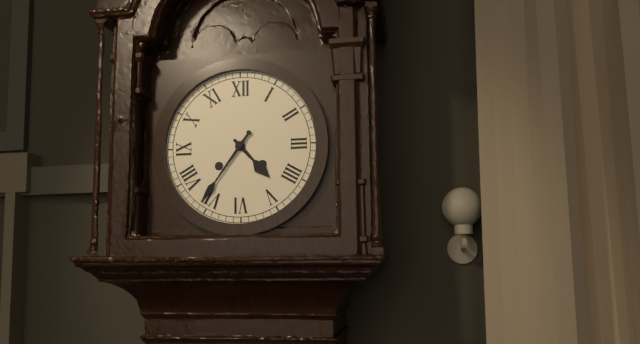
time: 4:36
